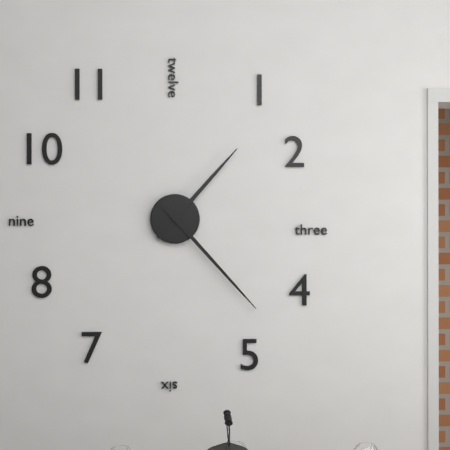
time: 1:23
